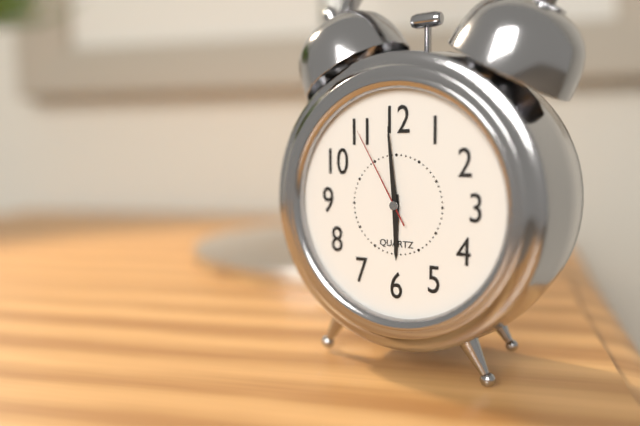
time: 5:59:55
